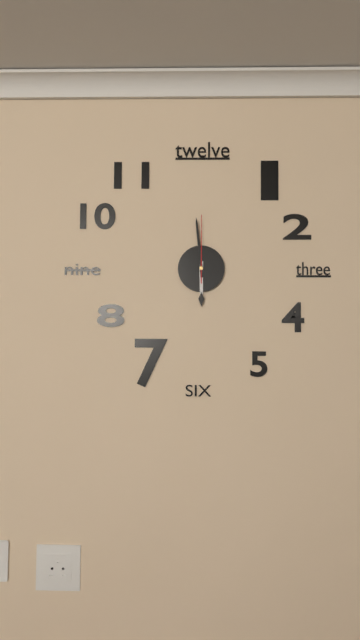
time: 5:59:00
